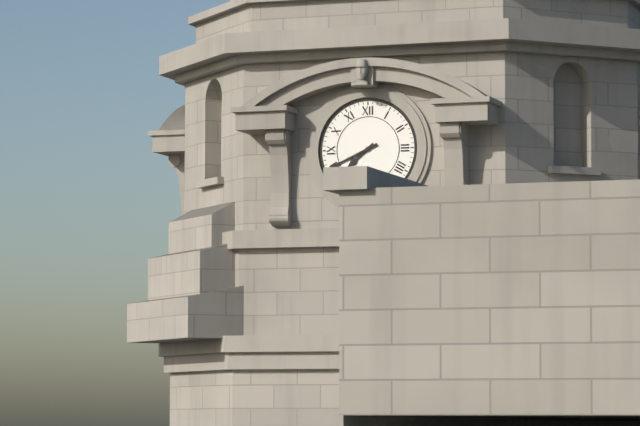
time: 7:41
